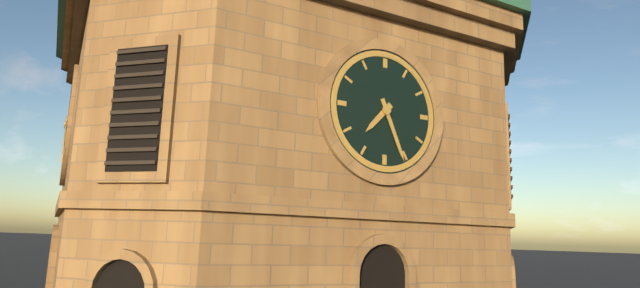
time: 7:26
